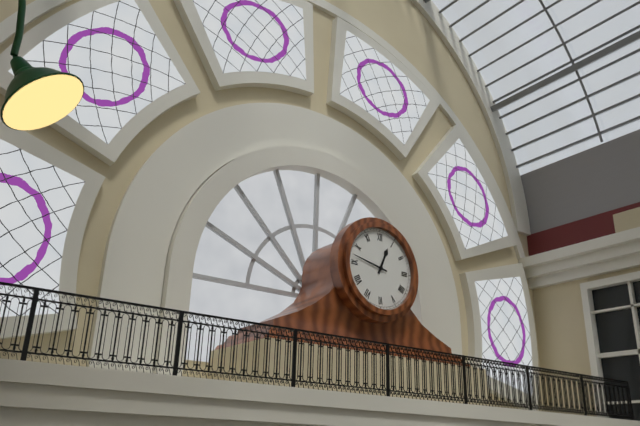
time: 12:47
